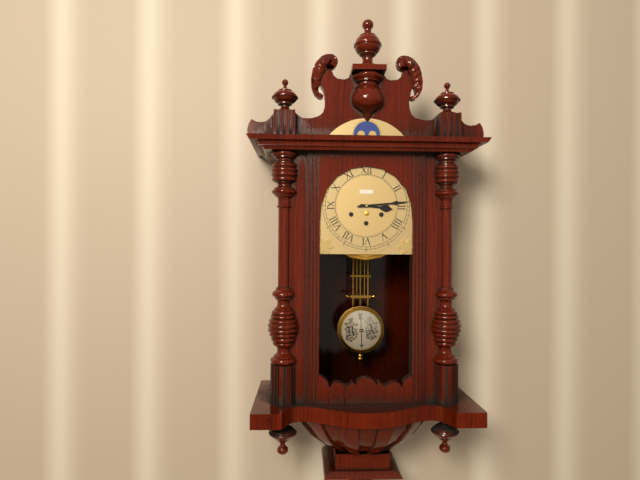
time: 3:14
